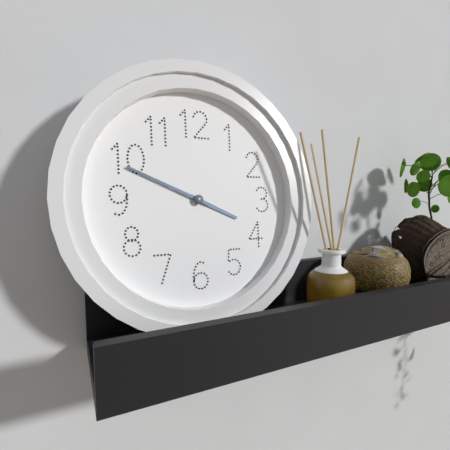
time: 3:49
